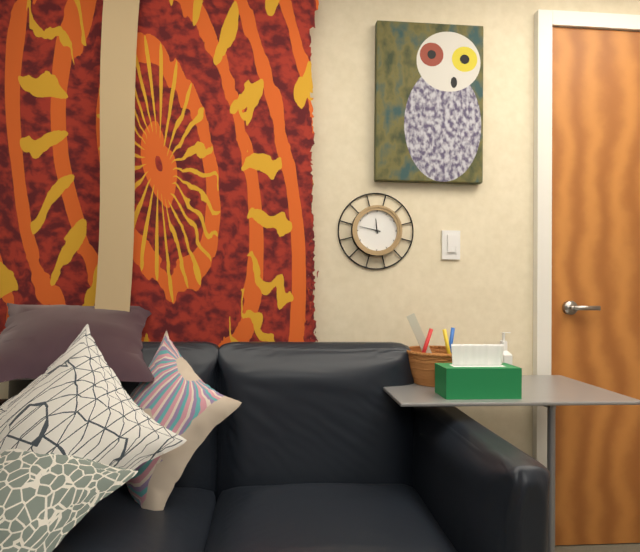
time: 11:47
